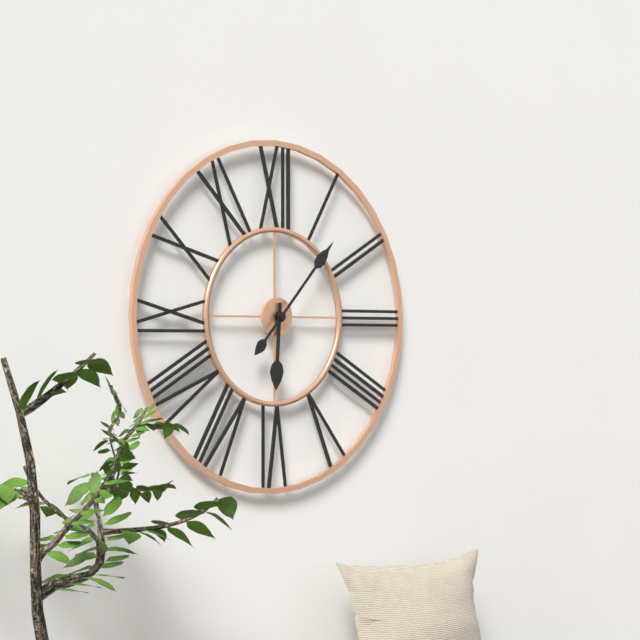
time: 6:07
